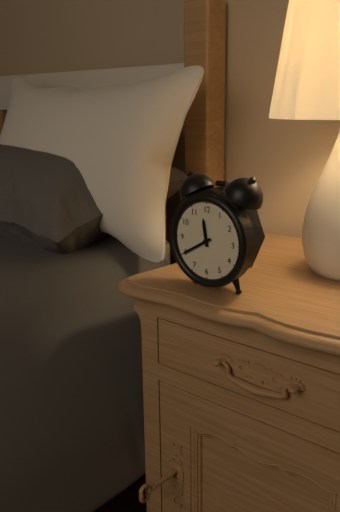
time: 11:40
